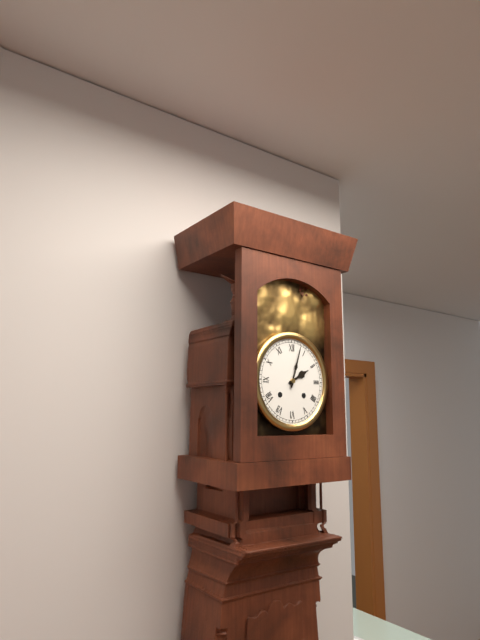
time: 2:03
